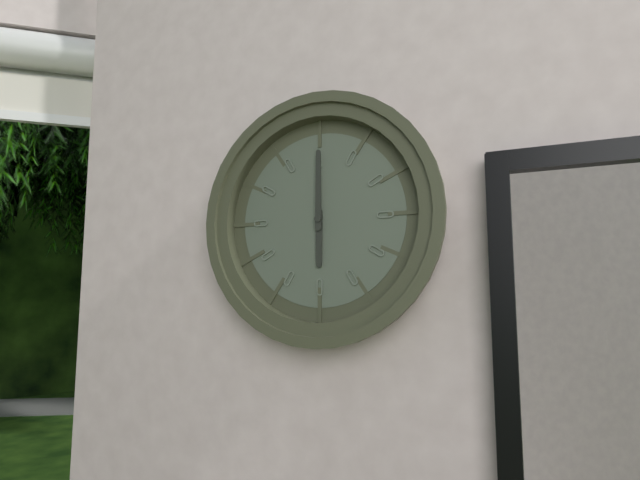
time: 6:00
